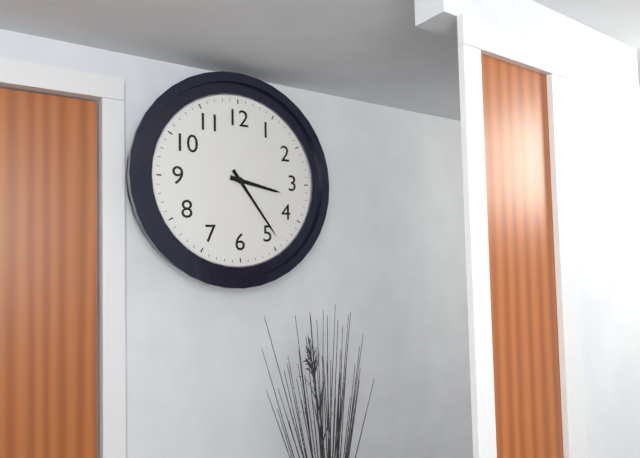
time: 3:24
